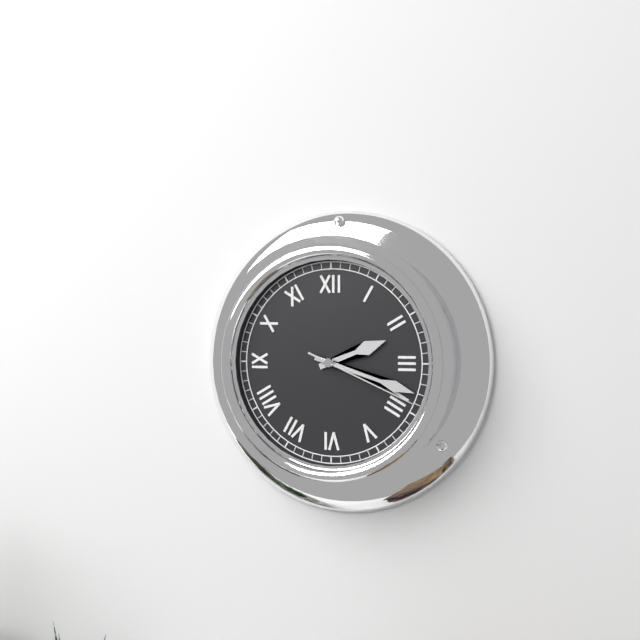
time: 2:18:19
